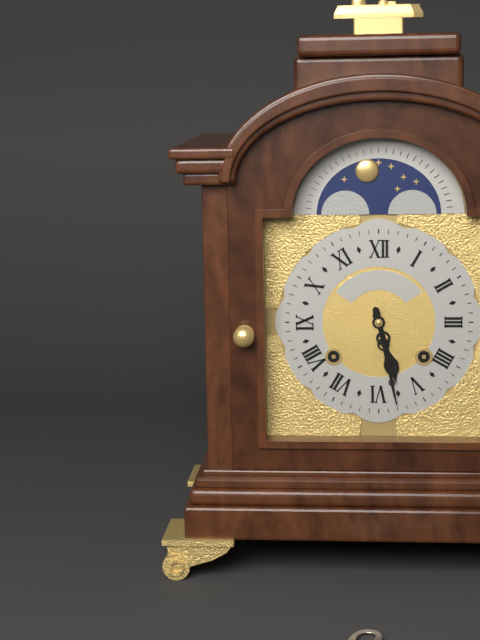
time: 5:28
